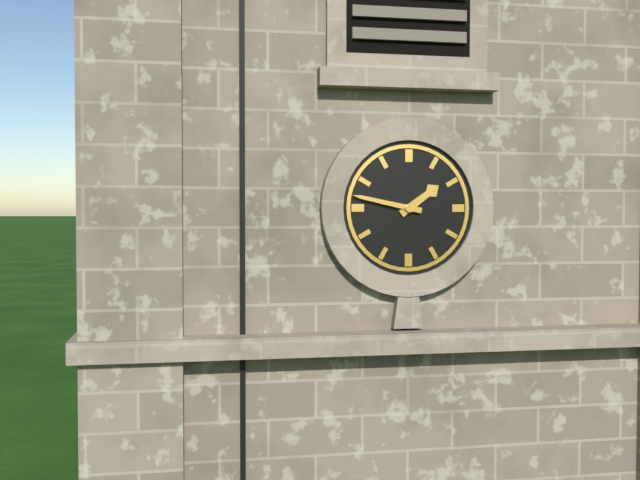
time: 1:47
